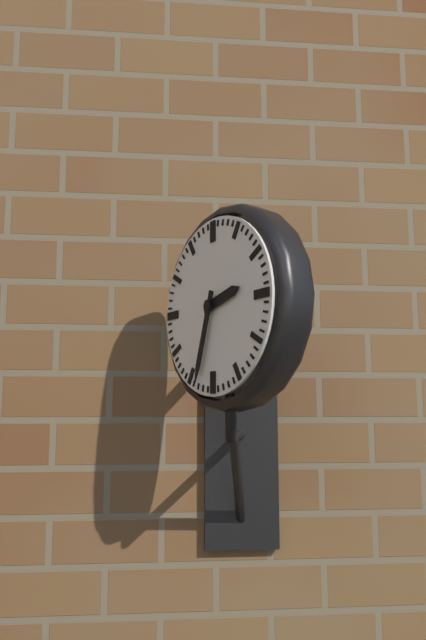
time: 2:33
